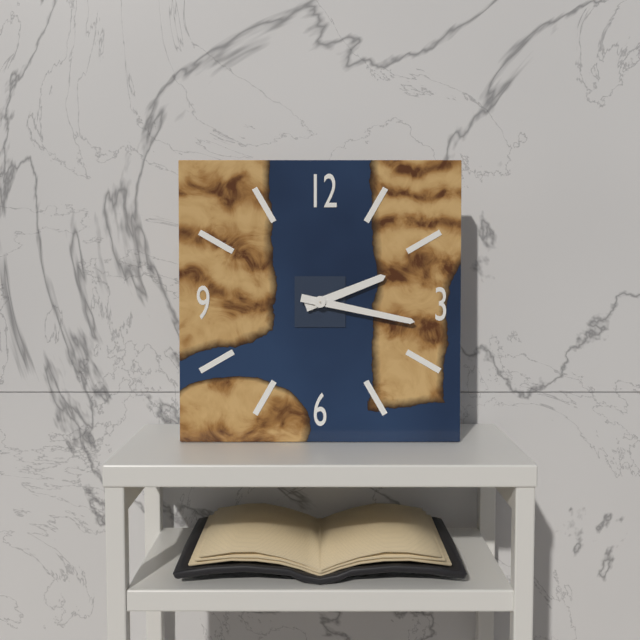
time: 2:17
